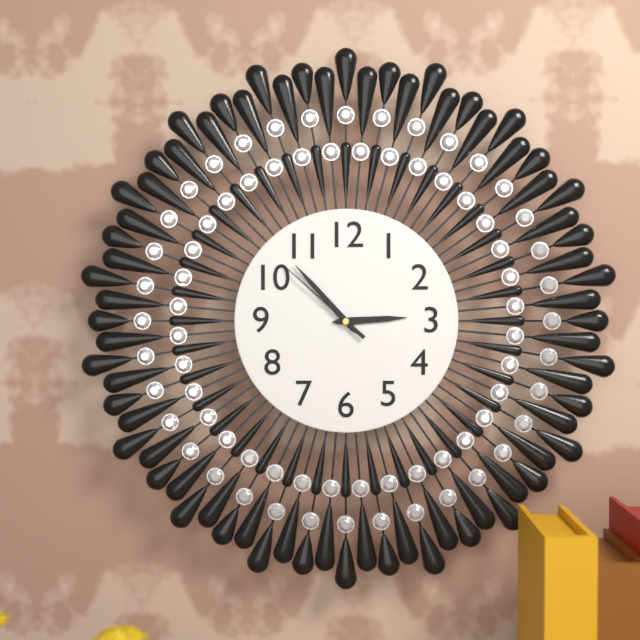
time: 2:53:52
